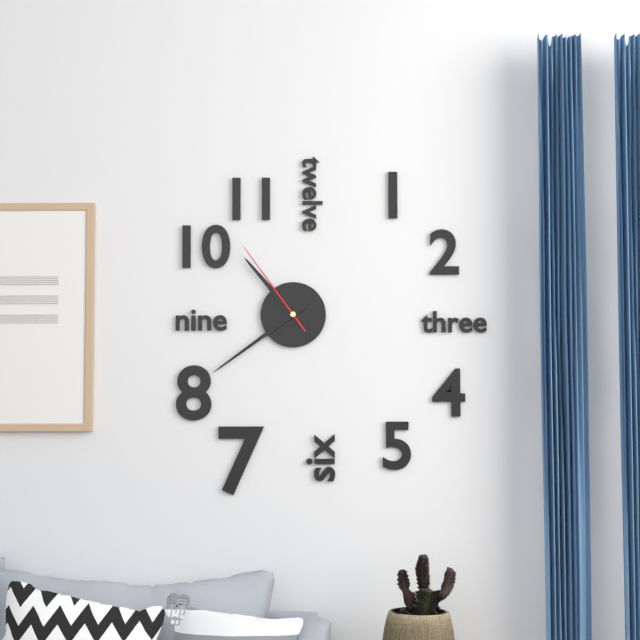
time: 10:39:54
